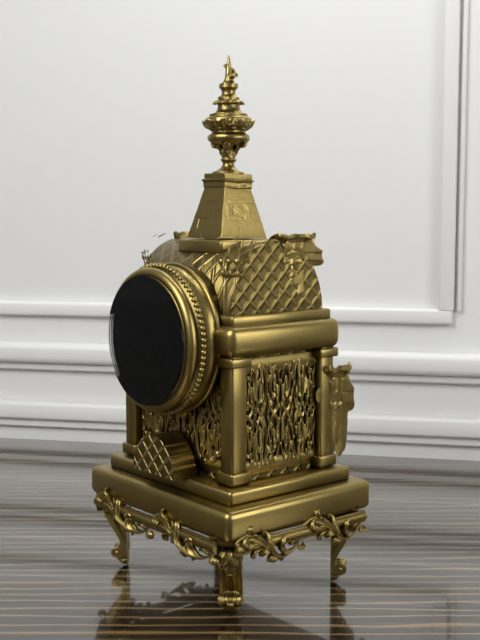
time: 7:19
